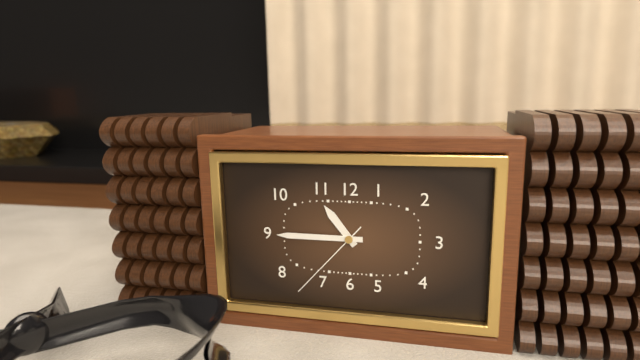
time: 10:45:37
